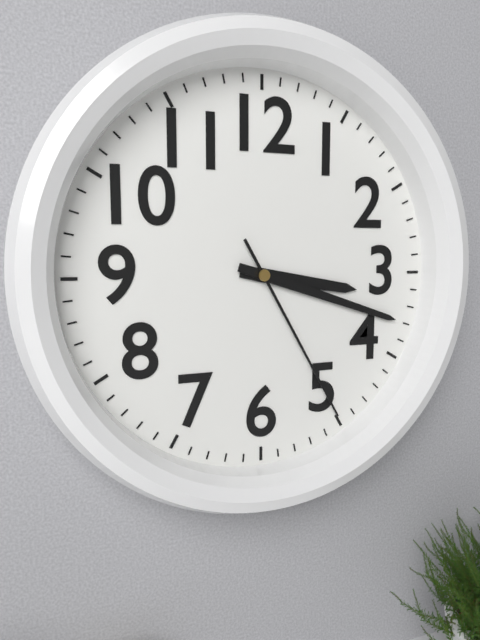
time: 3:18:25
